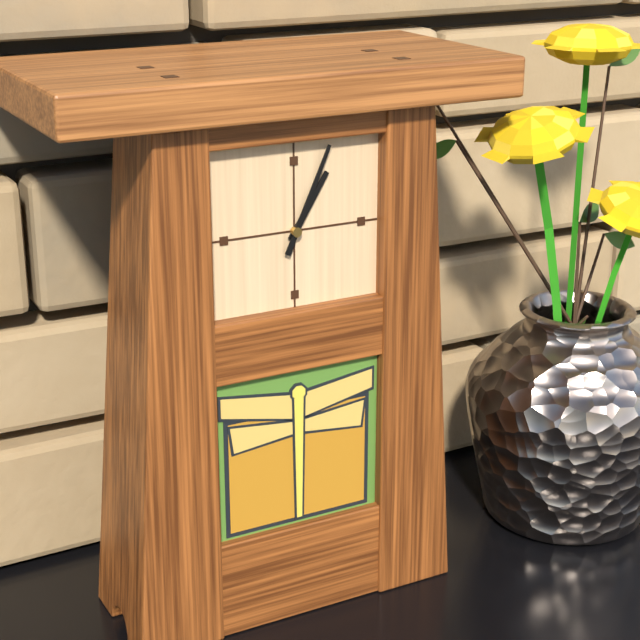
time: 1:04
